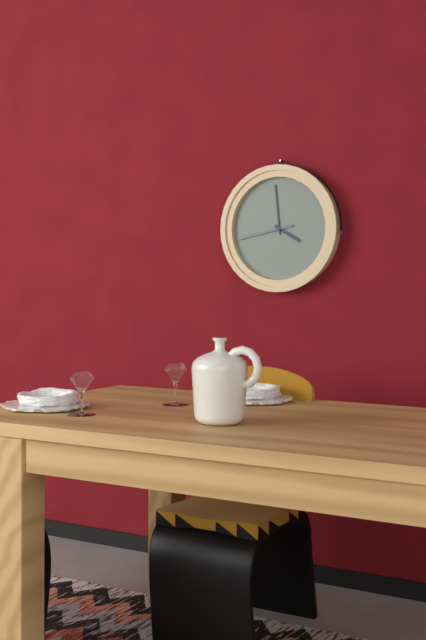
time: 3:59:43
